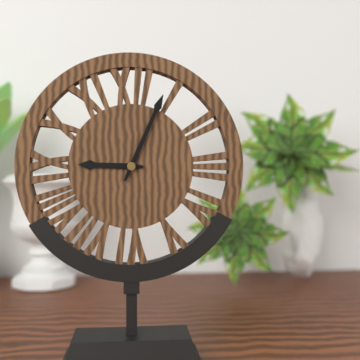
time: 9:04
